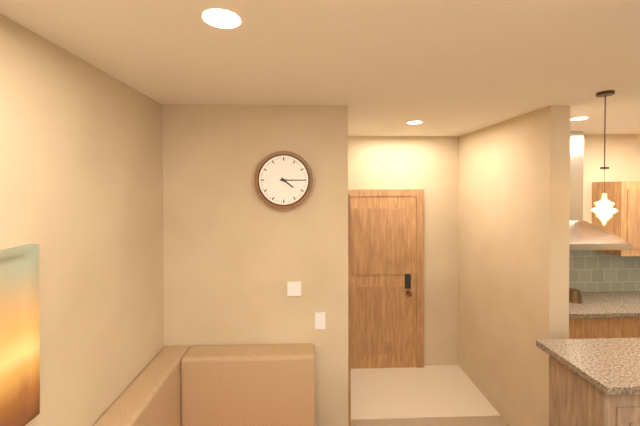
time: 4:15
